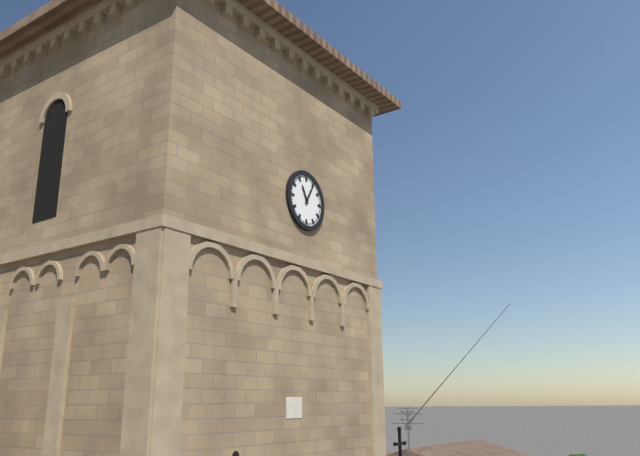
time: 11:05
